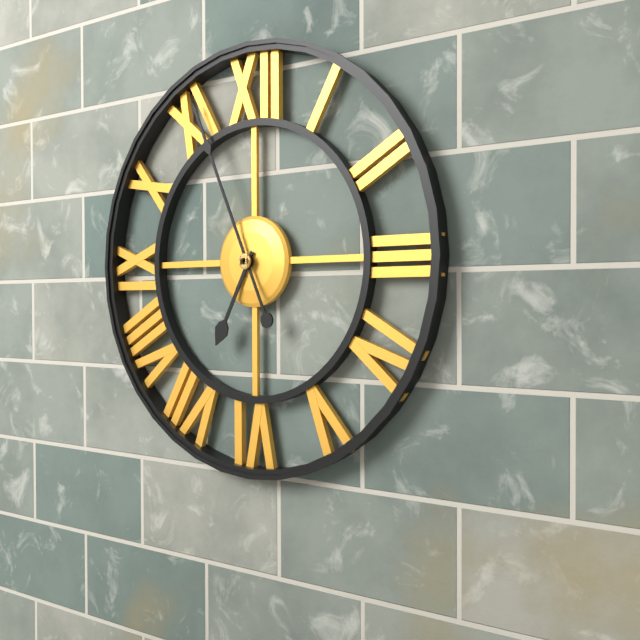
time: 6:56
